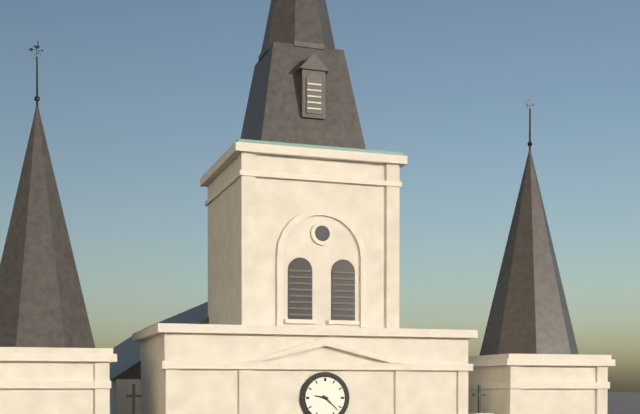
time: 9:22
